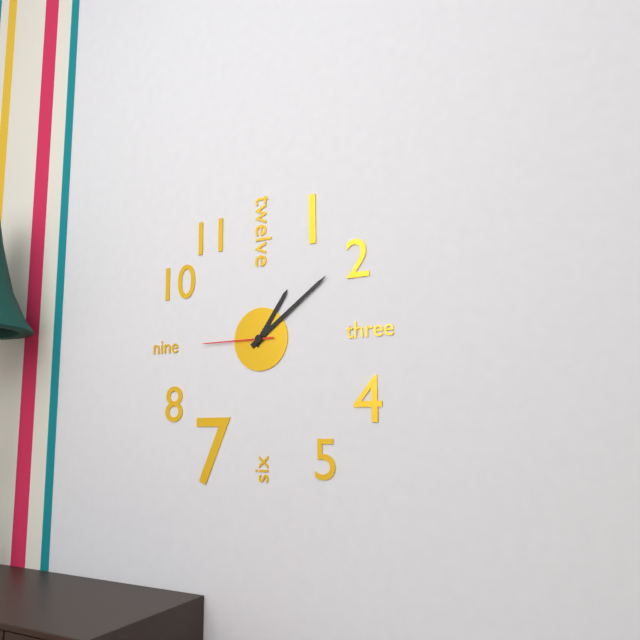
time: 1:09:45
